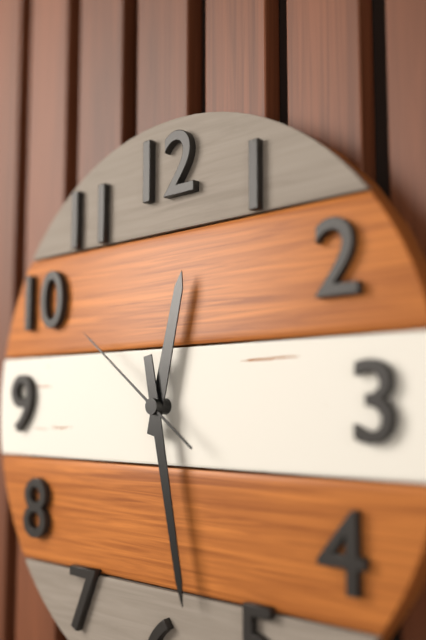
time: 12:28:51
